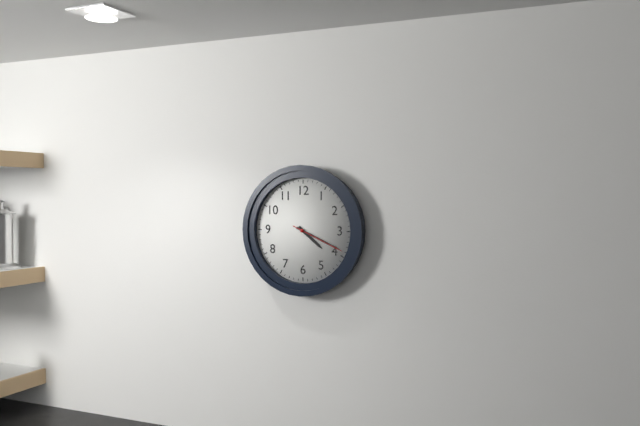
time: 4:19:19
